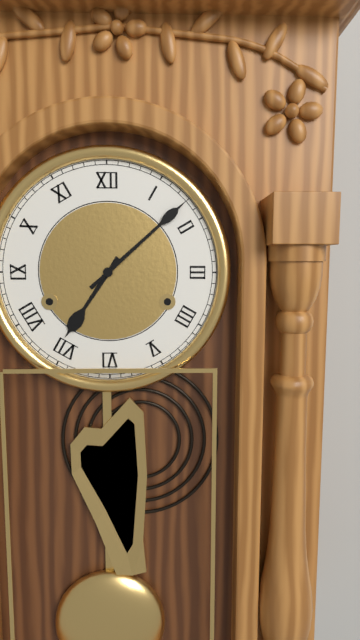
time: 7:08
